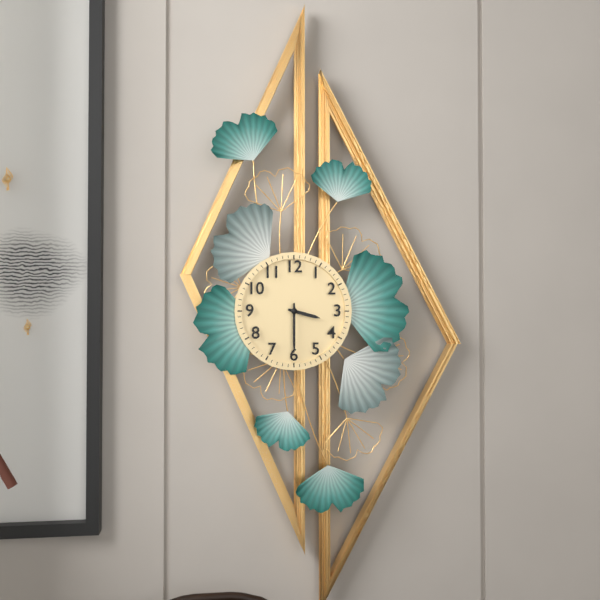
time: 3:30
